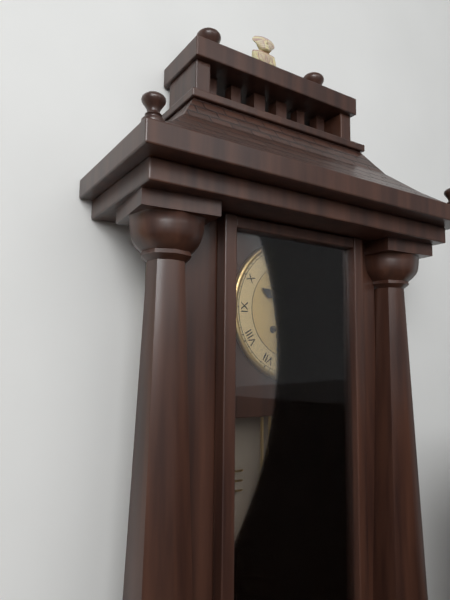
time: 9:58
